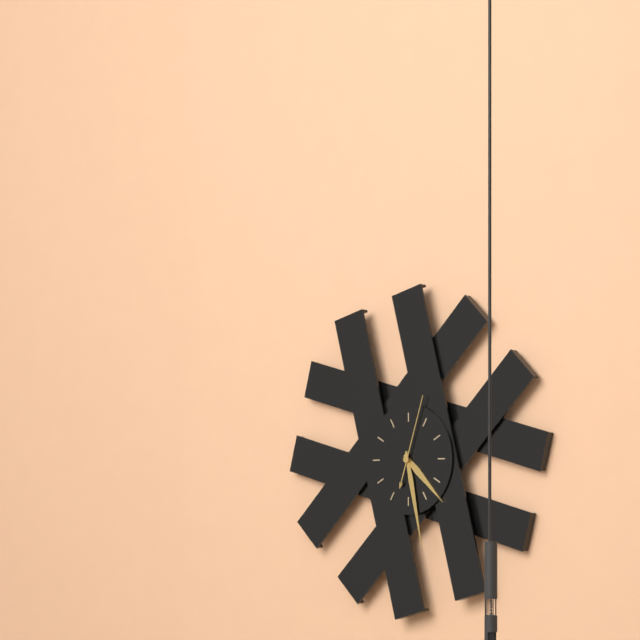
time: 4:28:03
